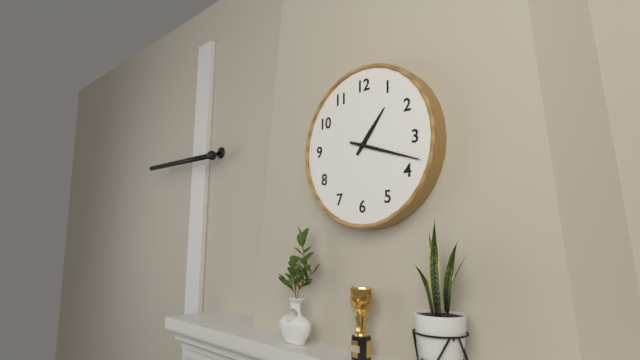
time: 1:18
